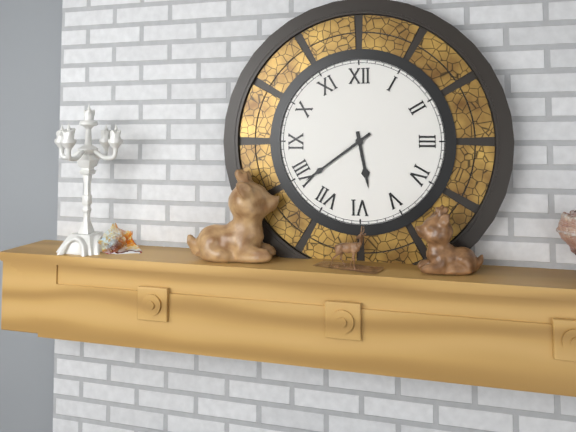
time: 5:39
